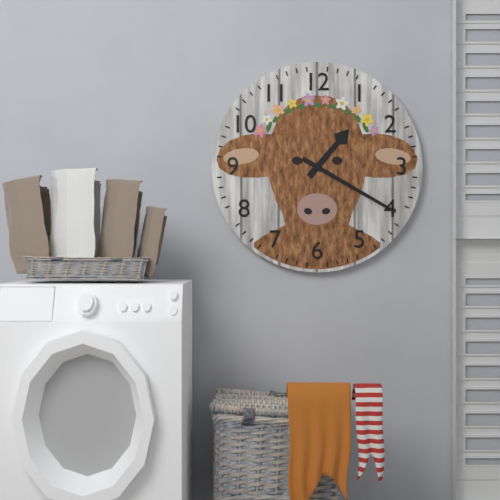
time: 1:20
